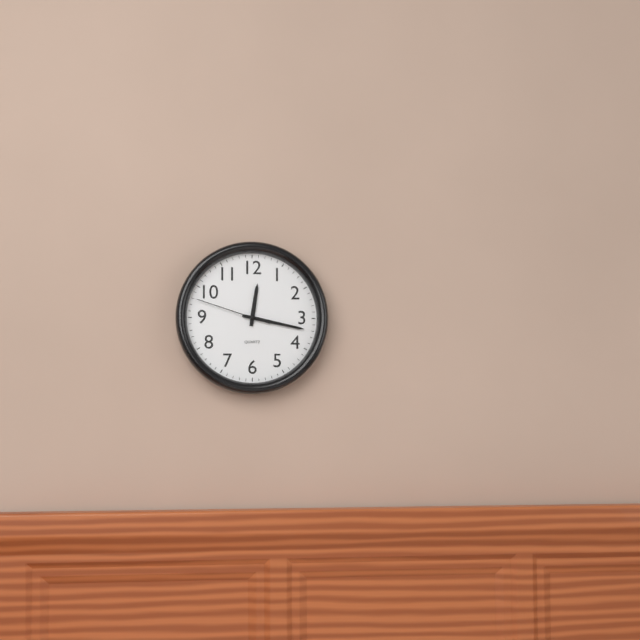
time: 12:17:48
